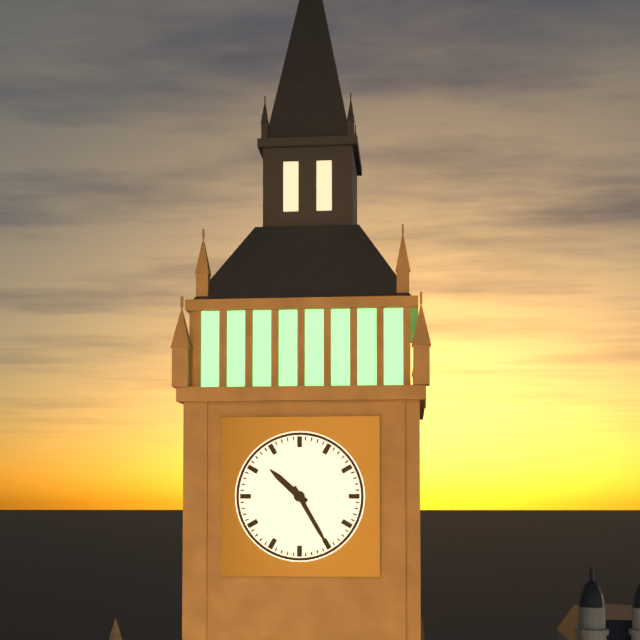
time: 10:25
